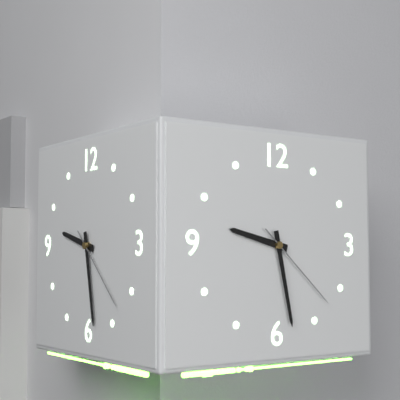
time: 9:28:22
